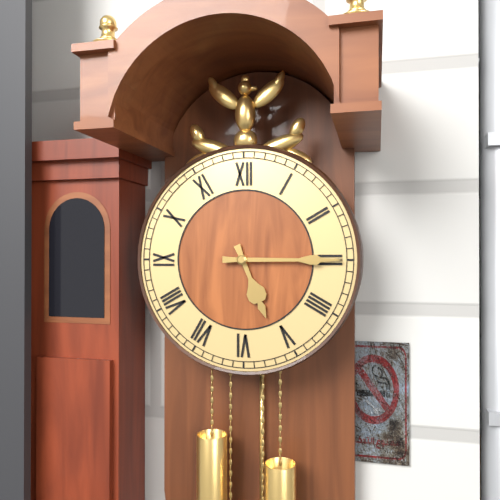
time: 5:15
